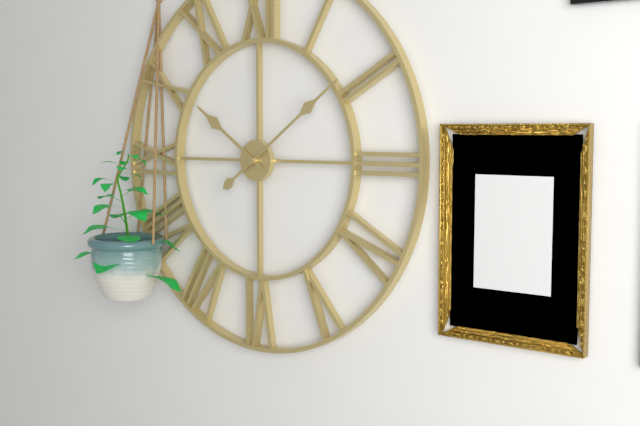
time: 10:09
